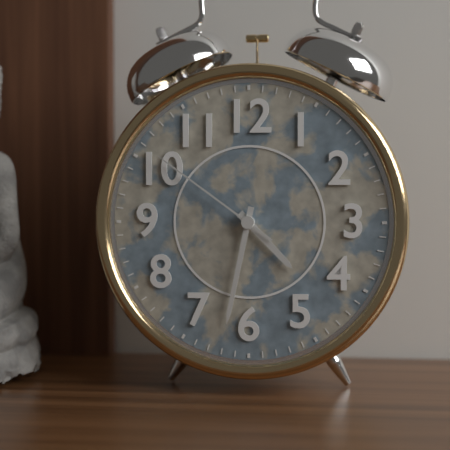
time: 4:32:51
